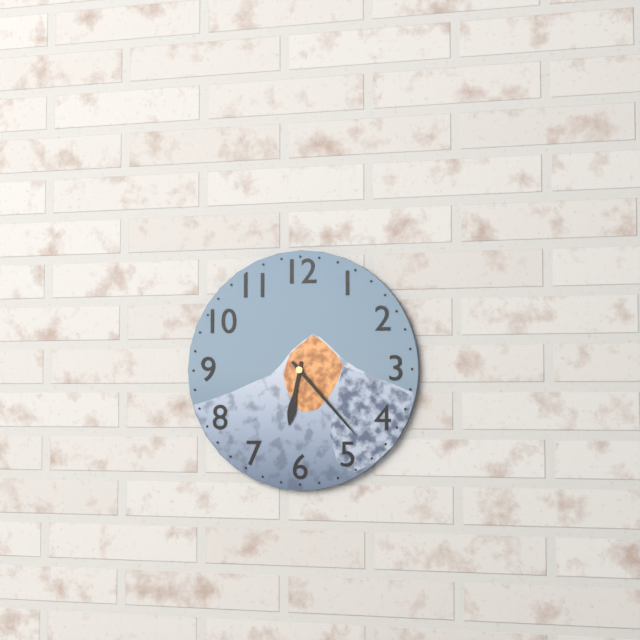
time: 6:23
